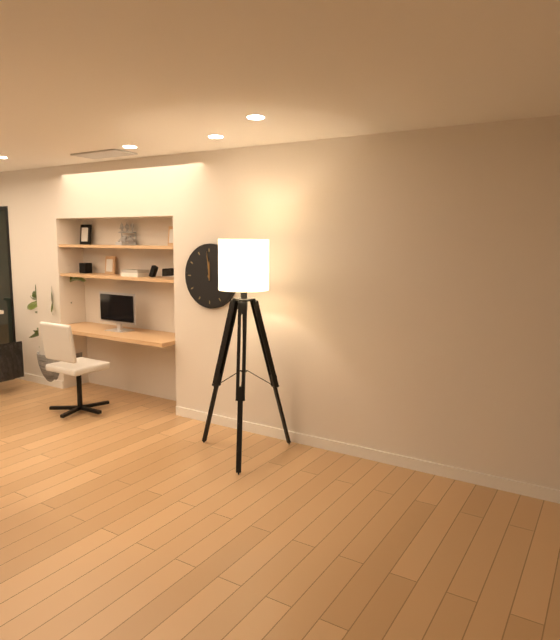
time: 11:59
